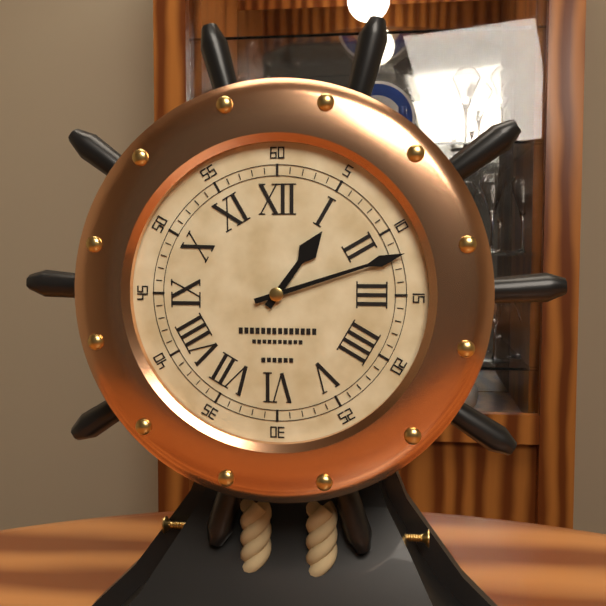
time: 1:12
